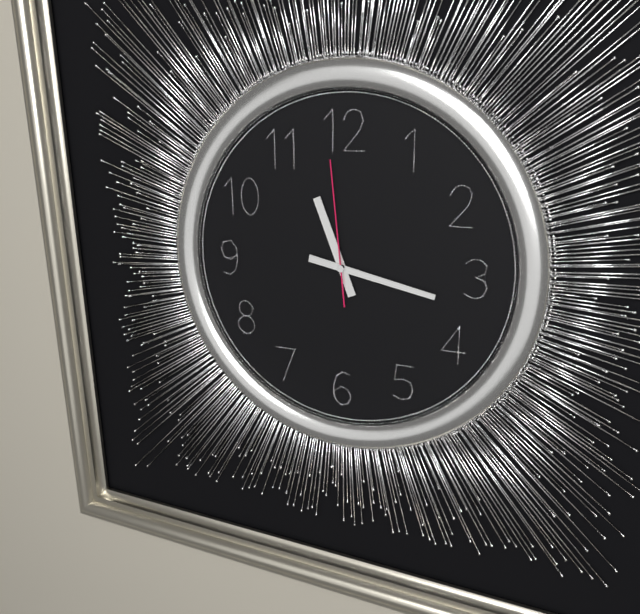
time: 11:17:59
